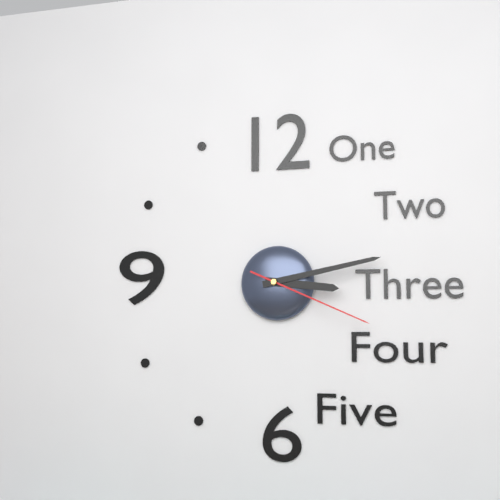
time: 3:13:19
